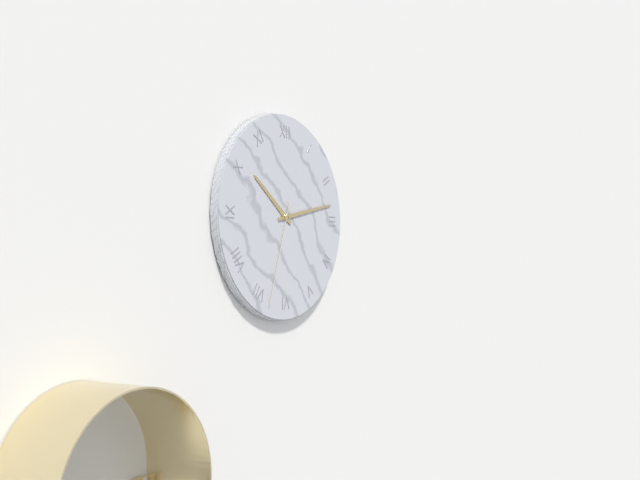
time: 10:13:33
